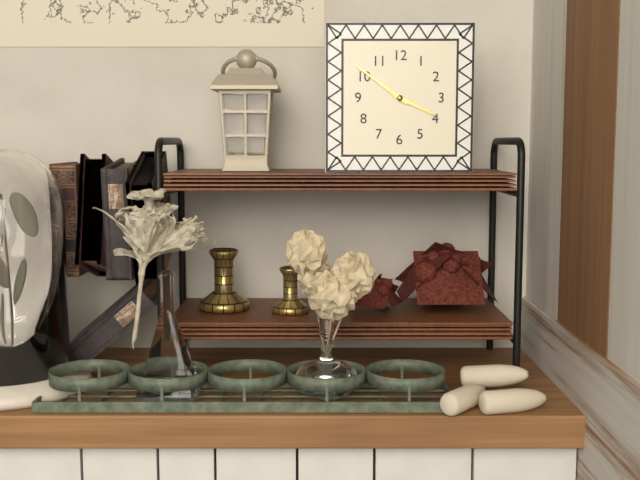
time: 3:51
